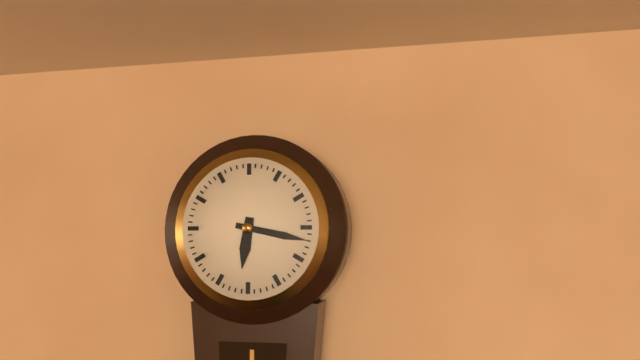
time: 6:17
